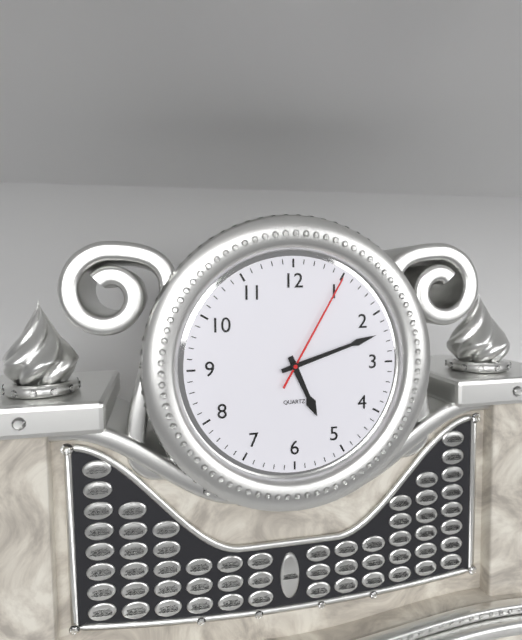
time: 5:12:05
